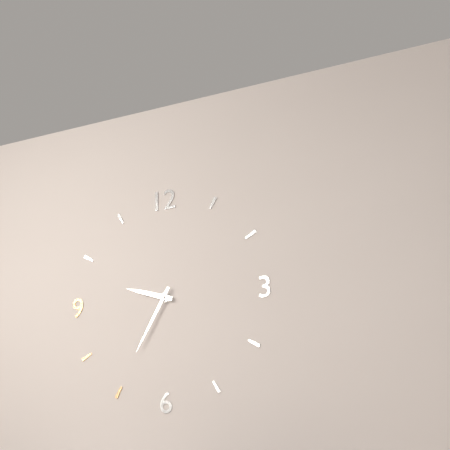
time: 9:35
